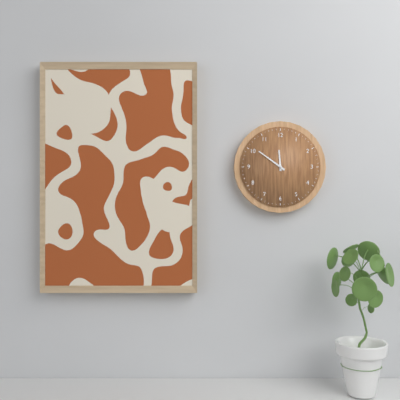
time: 11:51
